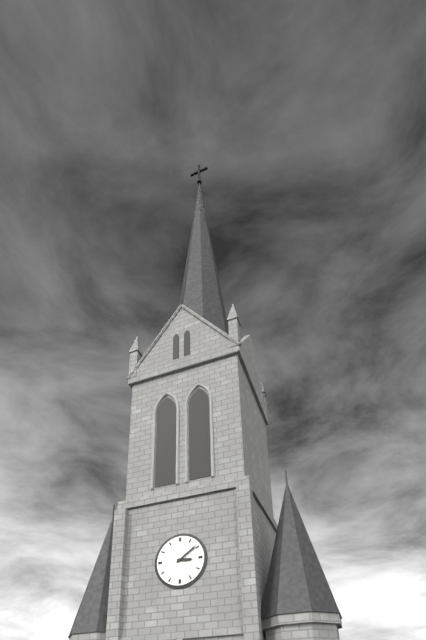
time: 3:09
